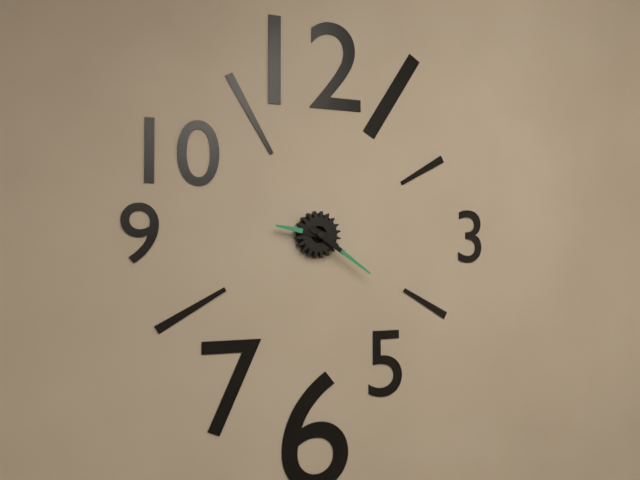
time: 9:21
